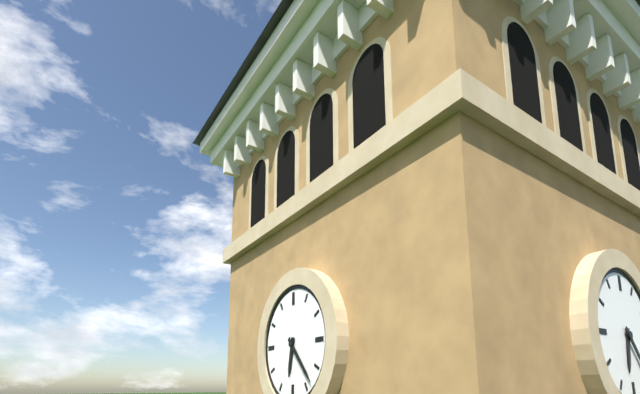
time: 6:23
